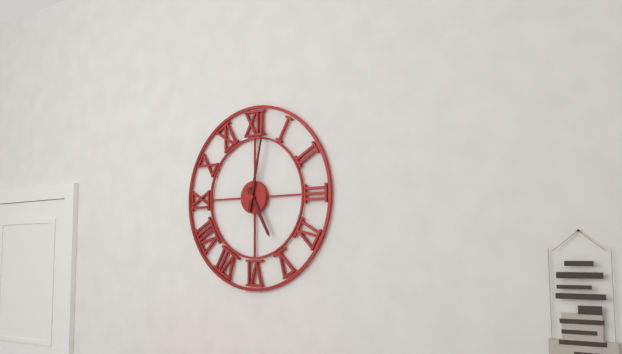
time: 5:02
